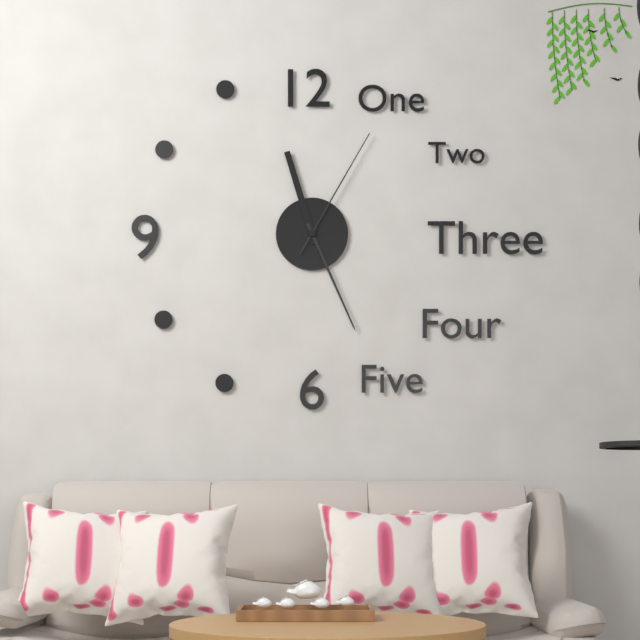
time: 11:26:05
